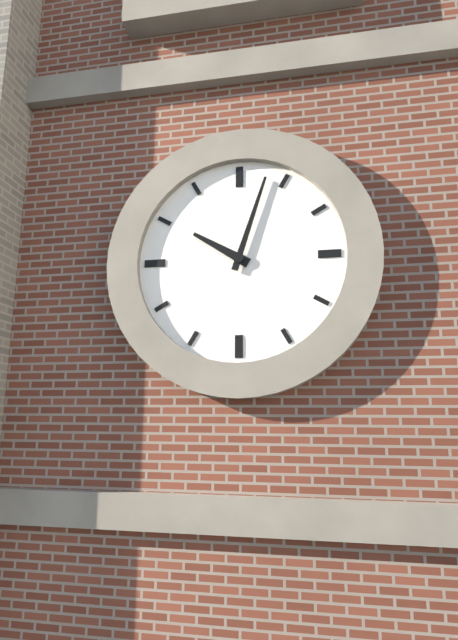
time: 10:03
